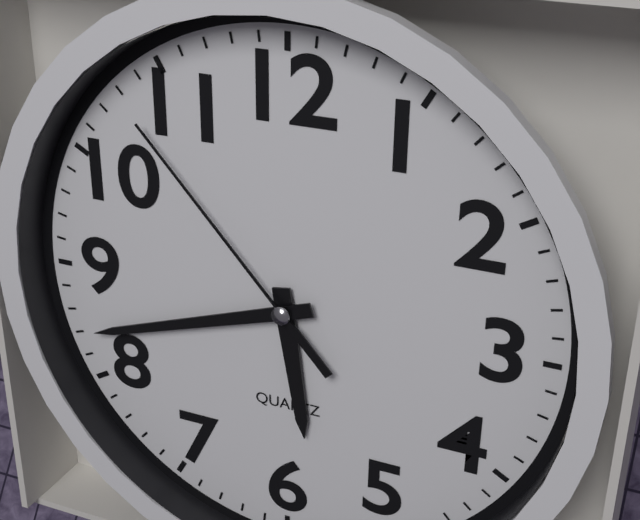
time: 5:42:53
